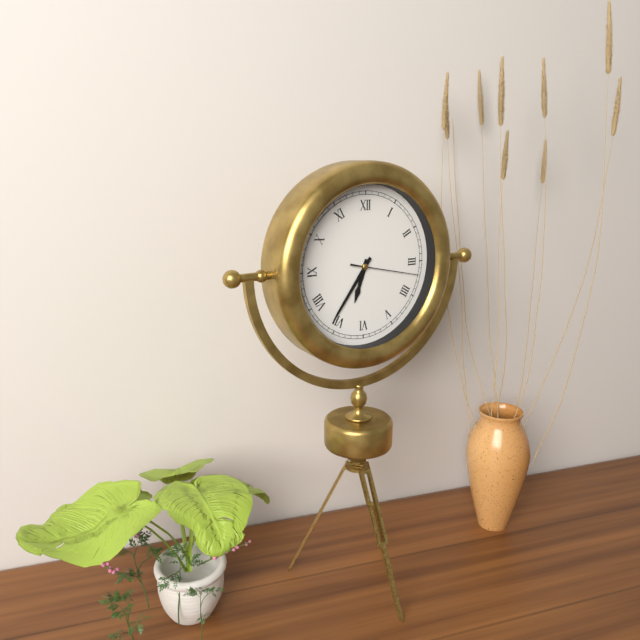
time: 6:36:17
